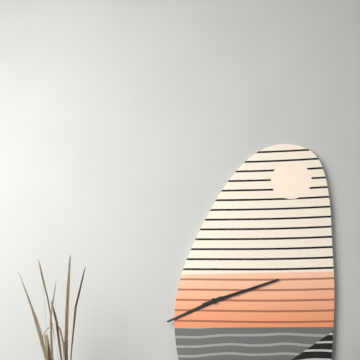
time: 8:12
